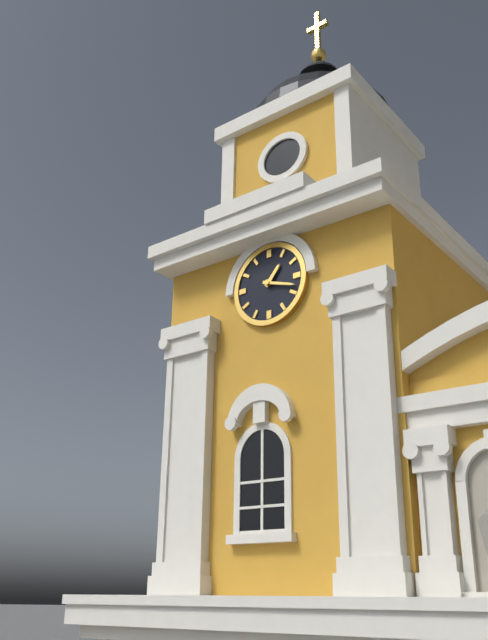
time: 1:18
